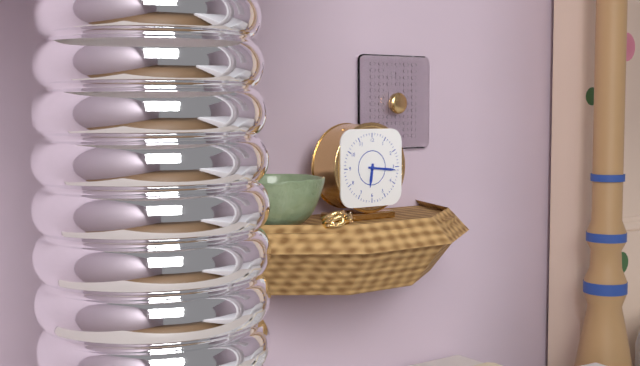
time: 6:16
